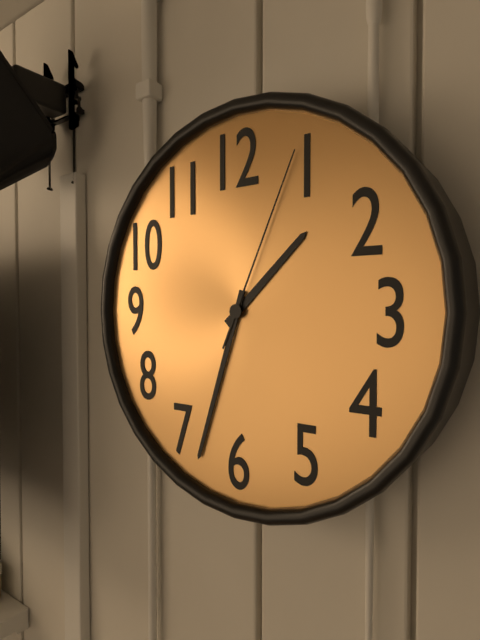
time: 1:33:04
